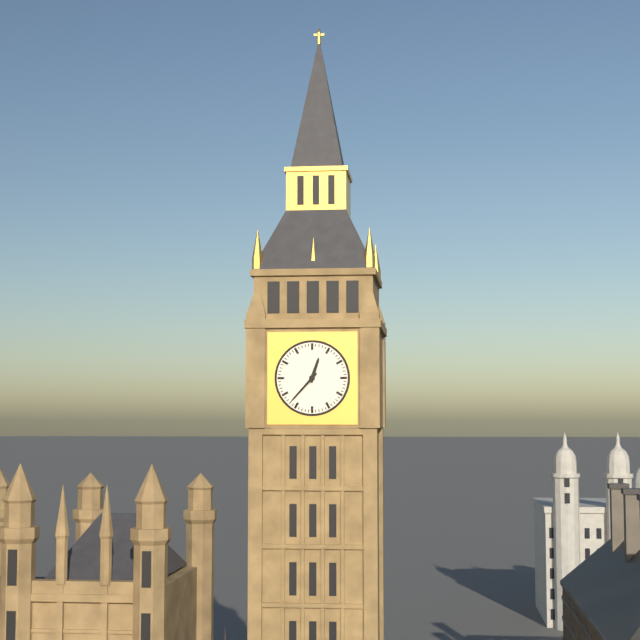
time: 12:37
